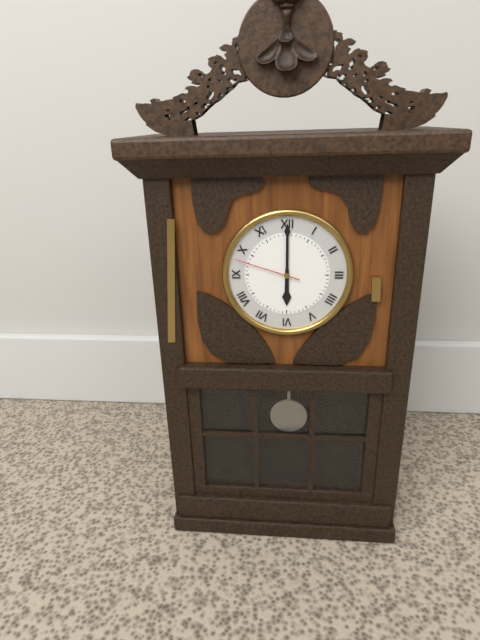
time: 6:00:48
